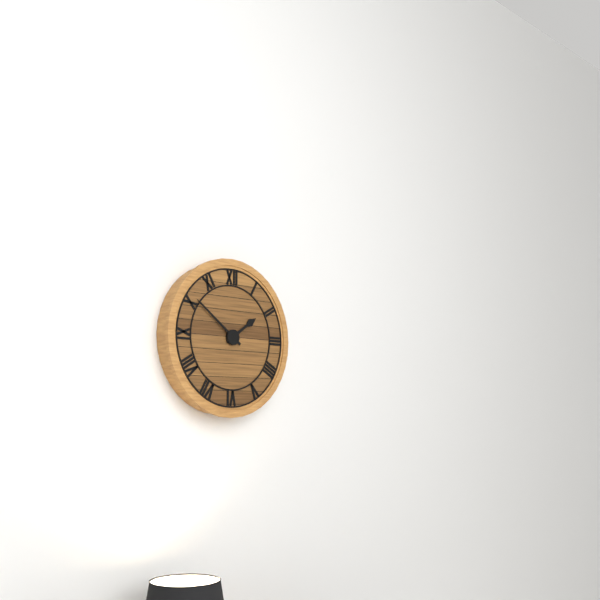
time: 1:51
